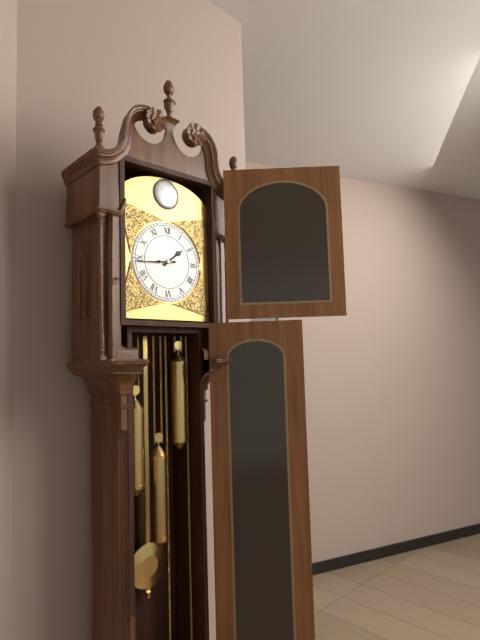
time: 1:44
